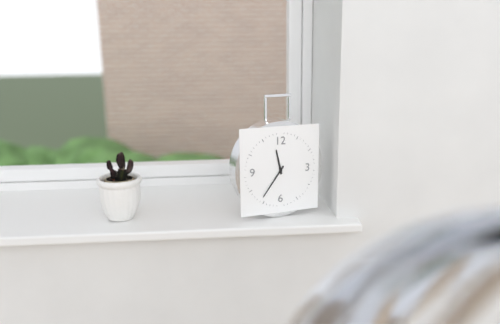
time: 11:36
